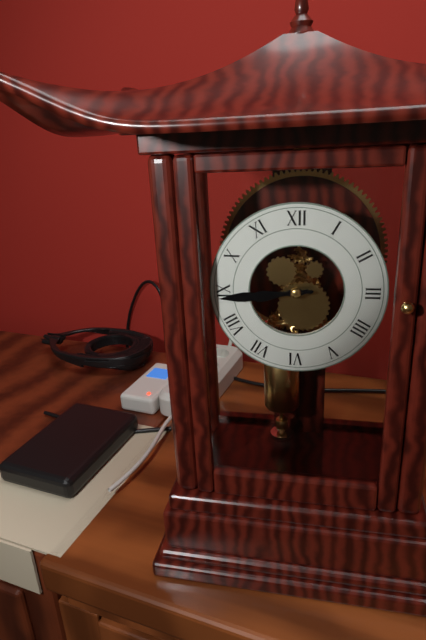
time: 8:44
